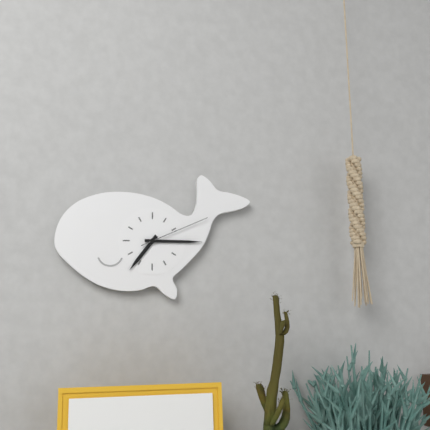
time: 7:15:11
